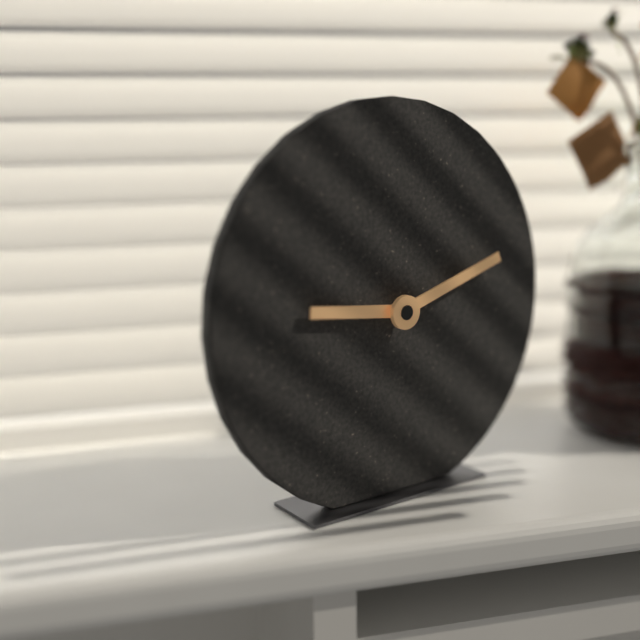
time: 9:12
